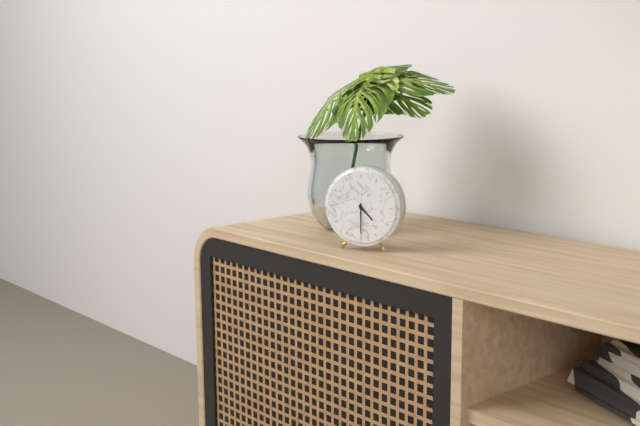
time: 4:30
